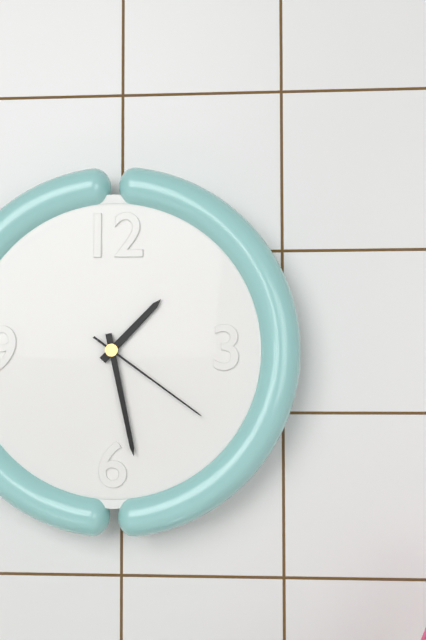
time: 1:28:21
